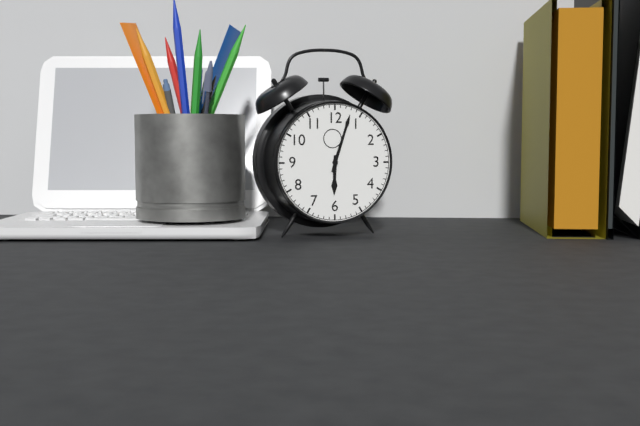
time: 6:03
